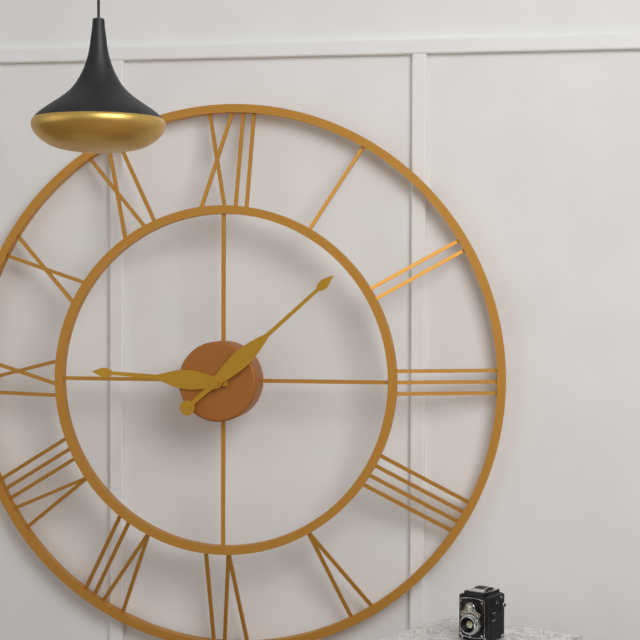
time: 9:08
